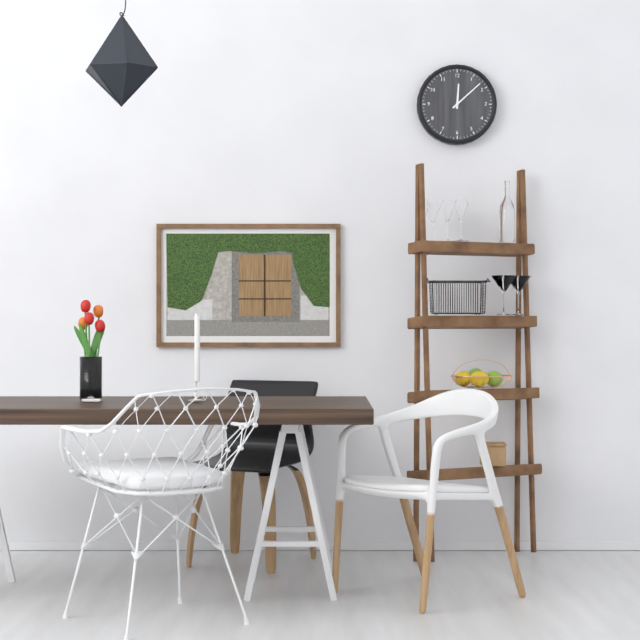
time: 12:08
